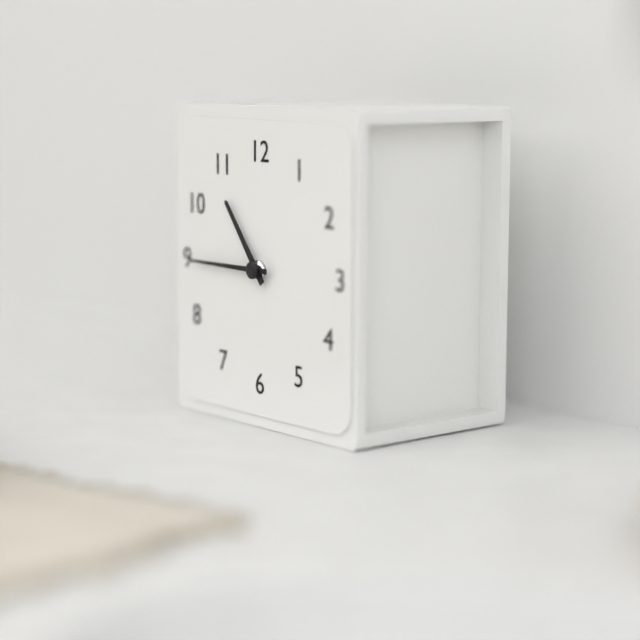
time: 10:45
